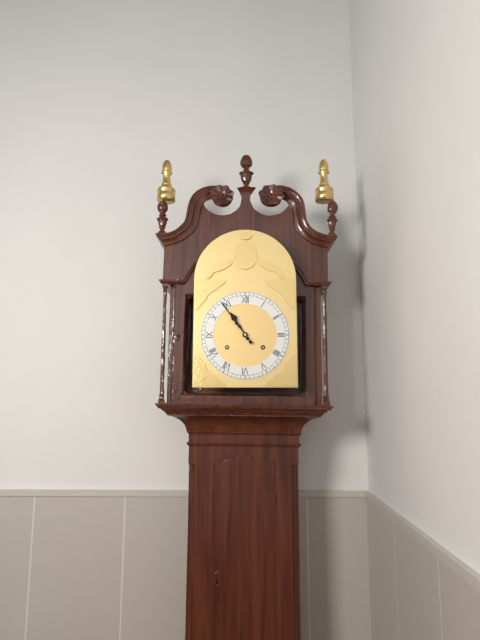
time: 10:54
